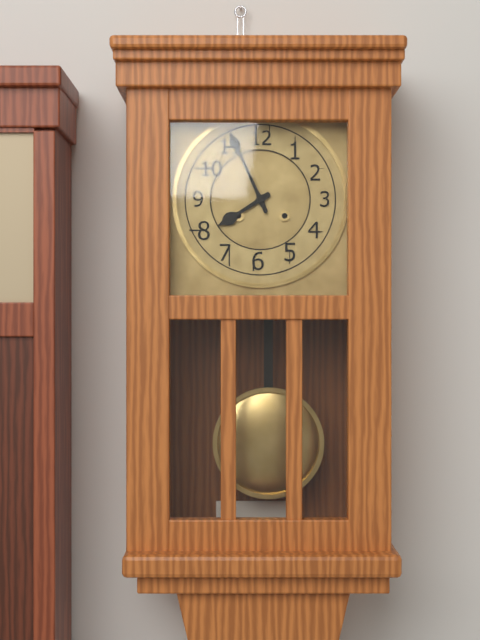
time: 7:56
